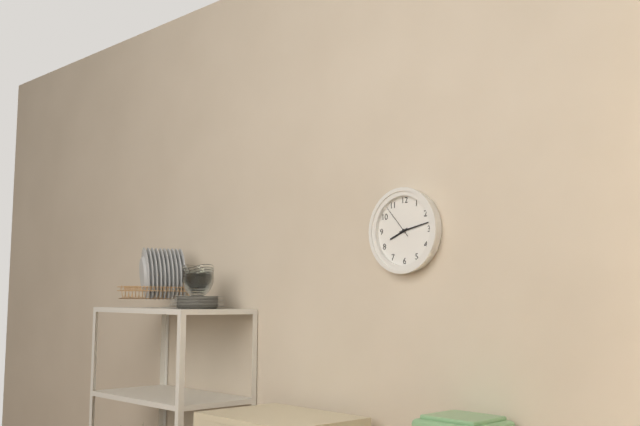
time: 8:13
